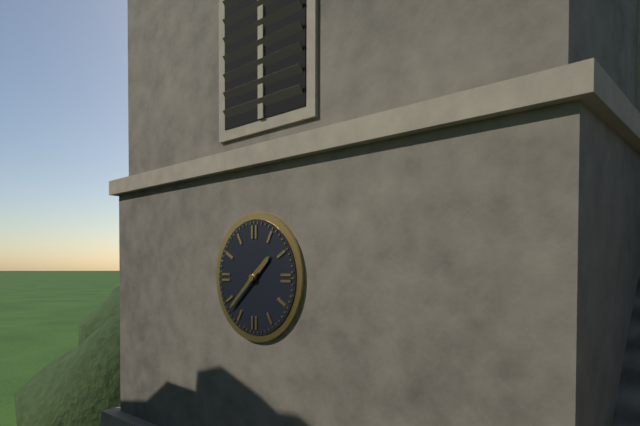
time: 1:38
